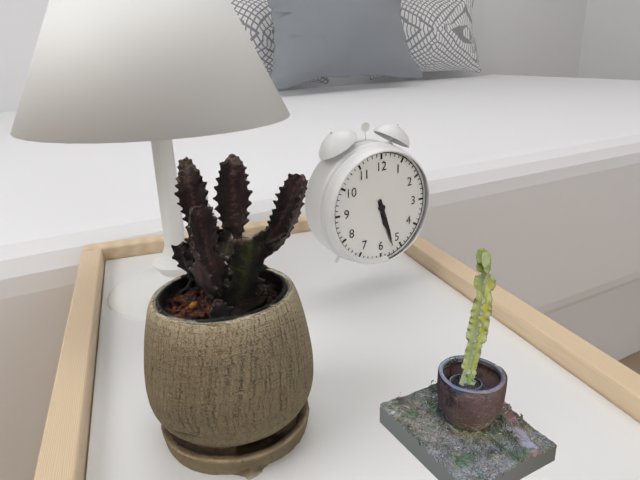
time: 5:27
